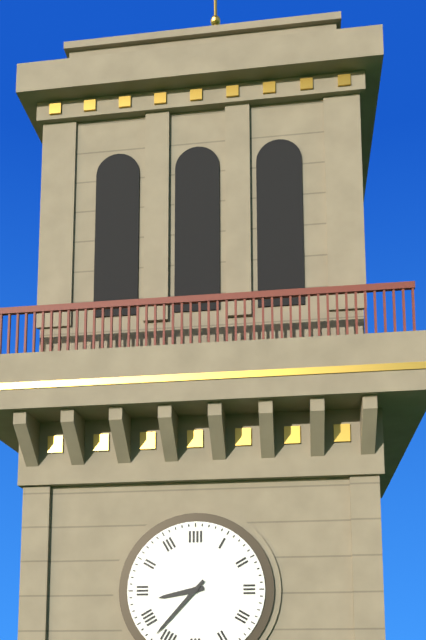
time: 8:37
